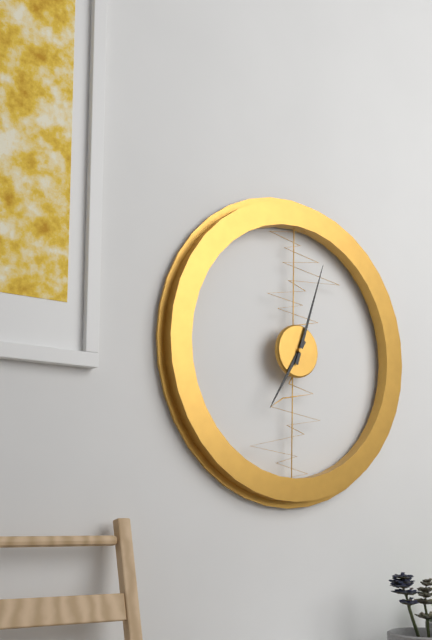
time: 7:03
